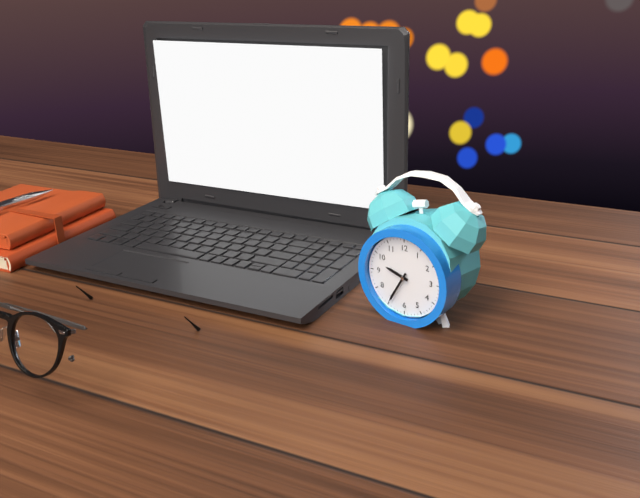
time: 9:35
